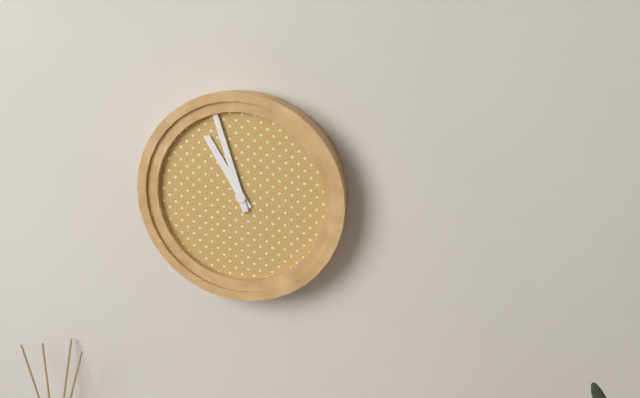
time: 10:57
